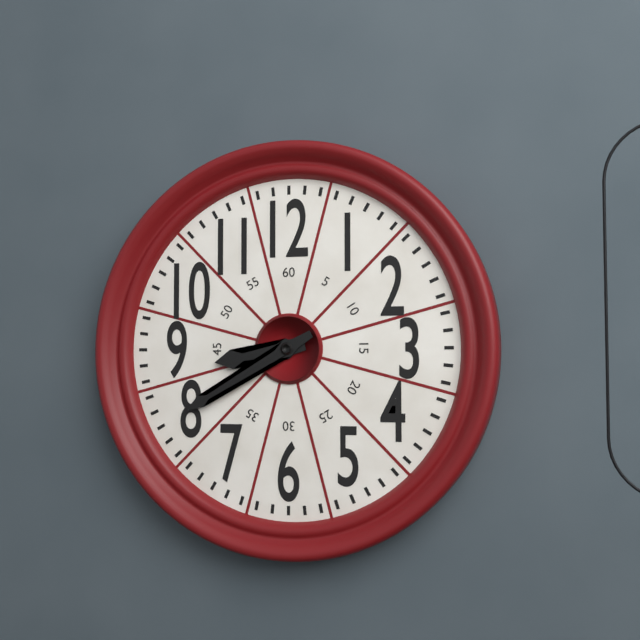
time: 8:40
